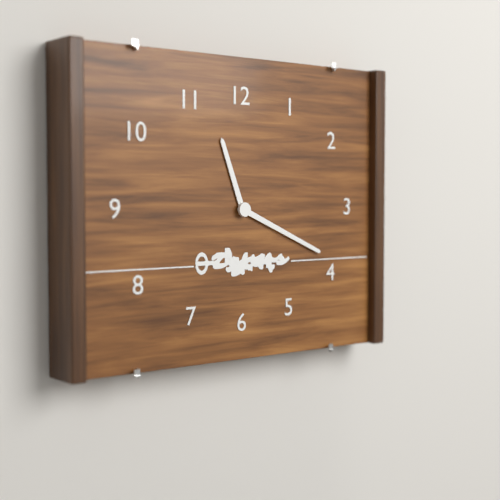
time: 11:19
